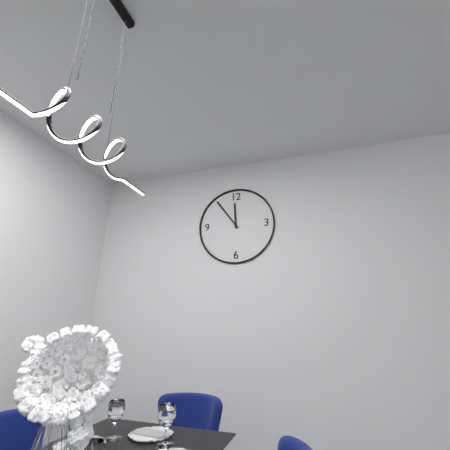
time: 11:54
